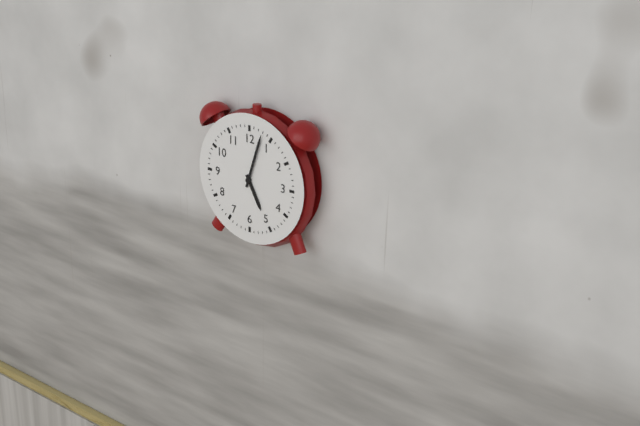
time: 5:03
